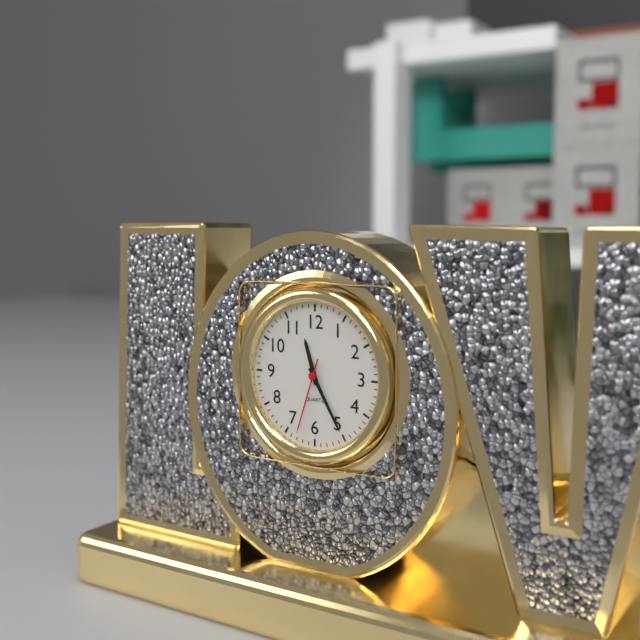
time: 11:25:33
